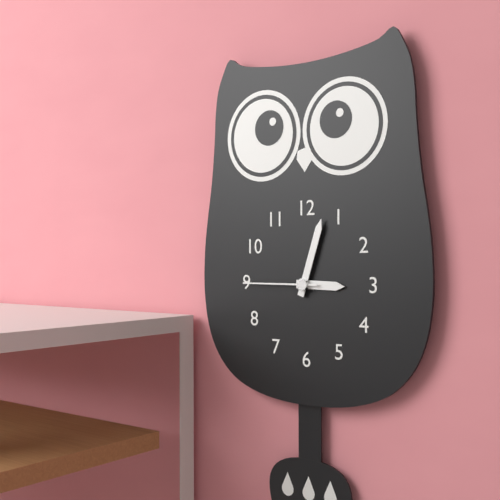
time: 3:03:45
